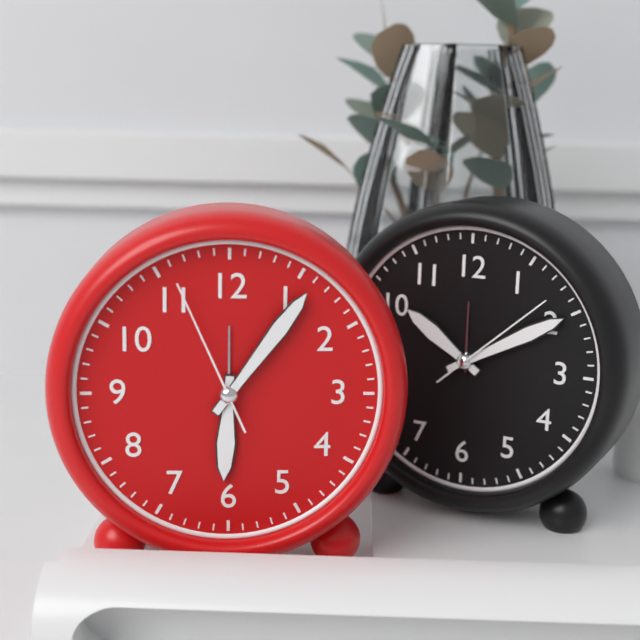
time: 6:06:56
